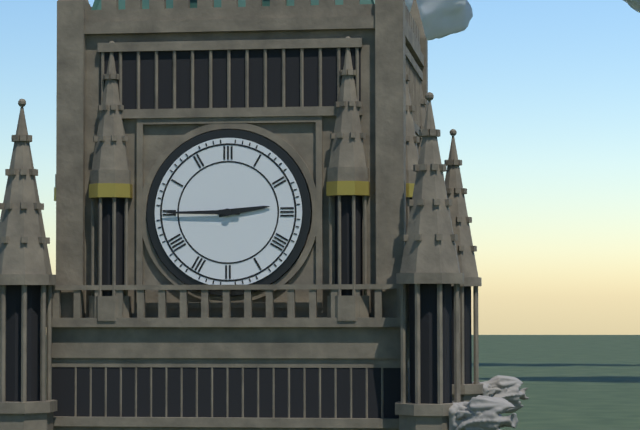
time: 2:45
